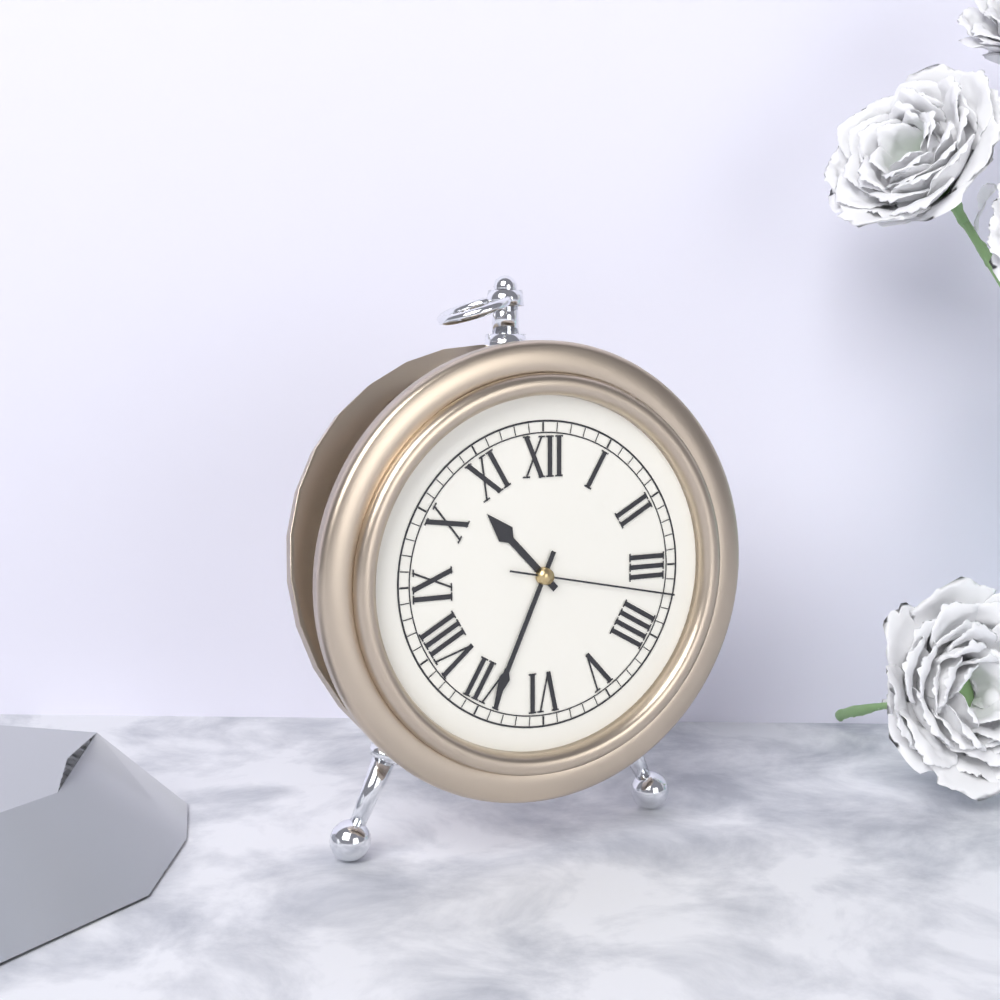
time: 10:34:17
